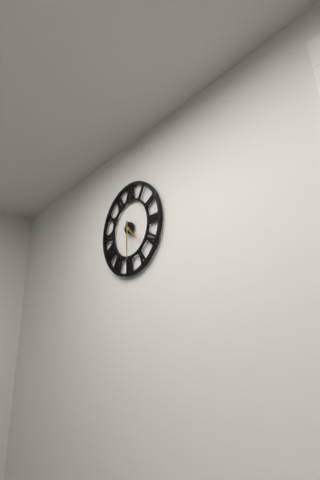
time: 4:30
